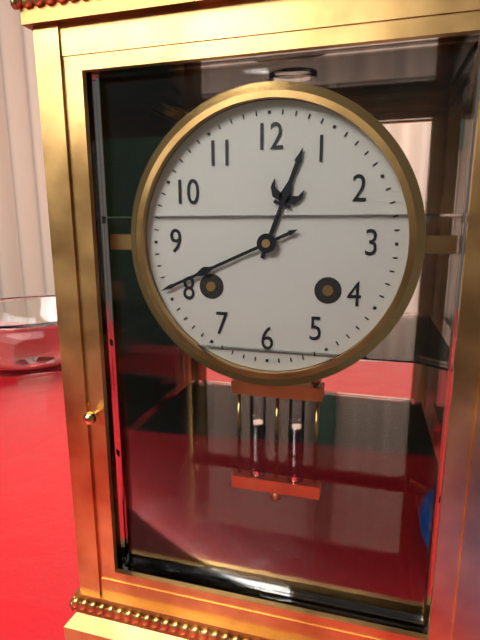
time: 12:41
